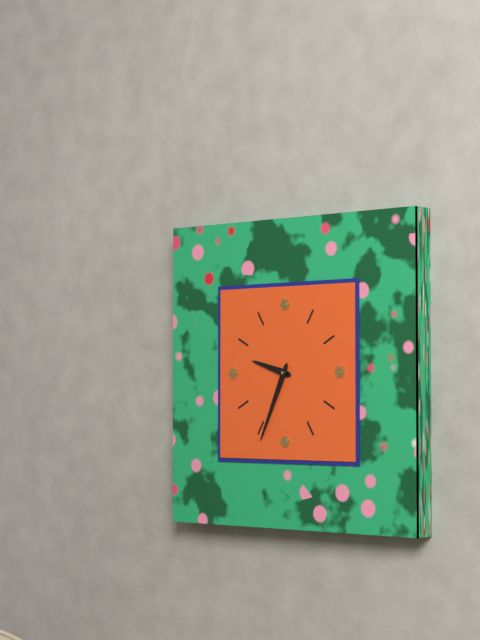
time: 9:34
